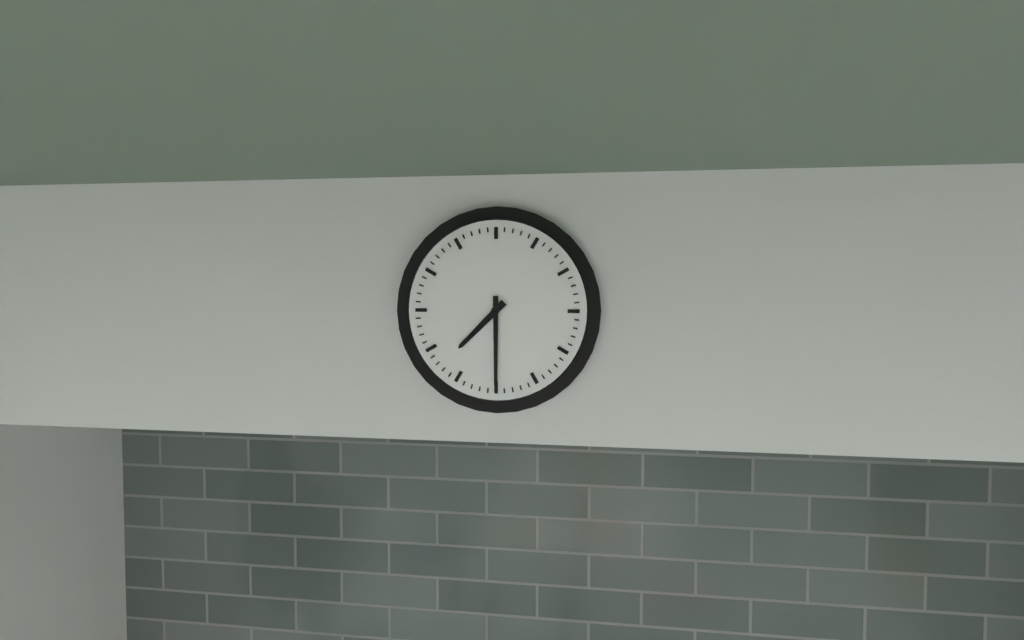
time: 7:30
